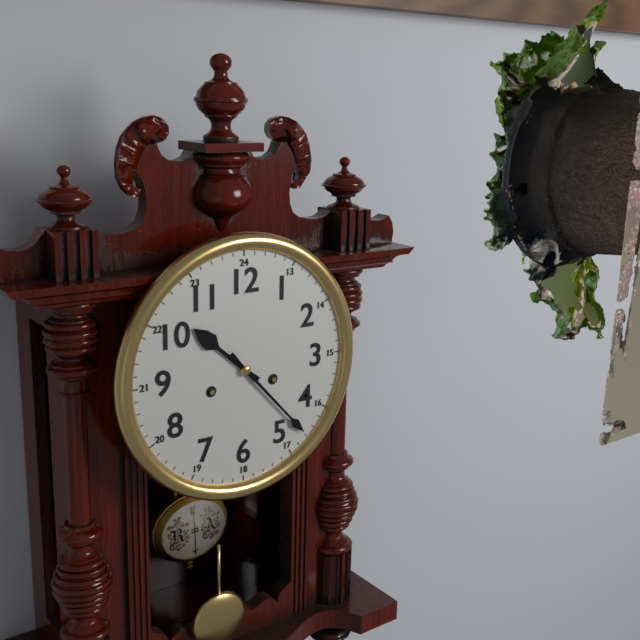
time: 10:23
